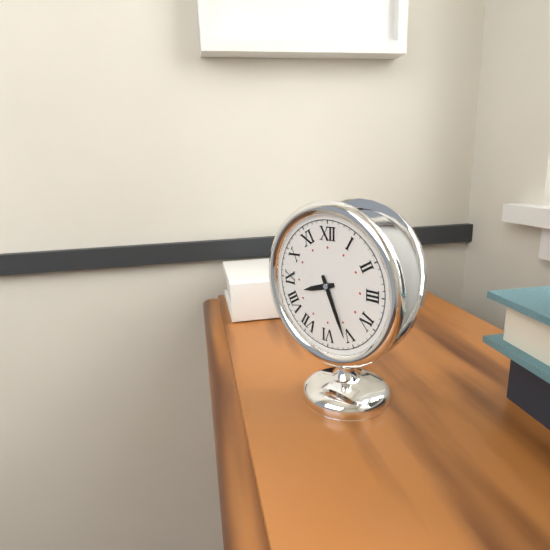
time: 8:26
